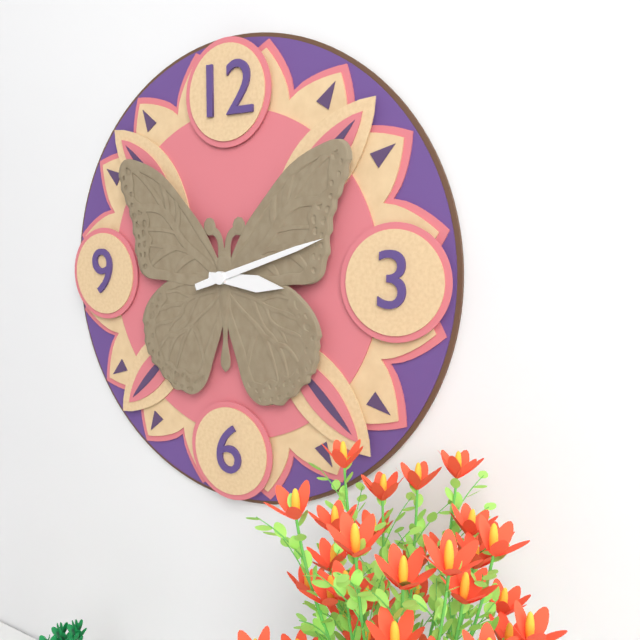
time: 3:12
